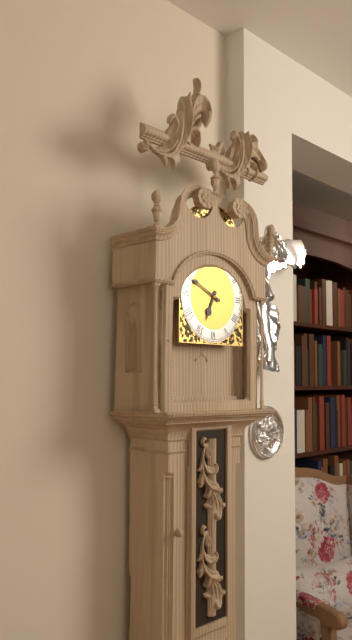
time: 6:49
